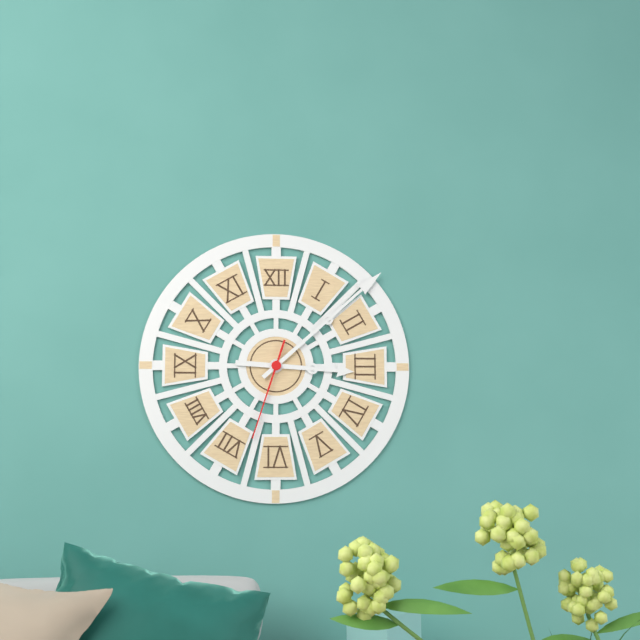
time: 3:08:33
